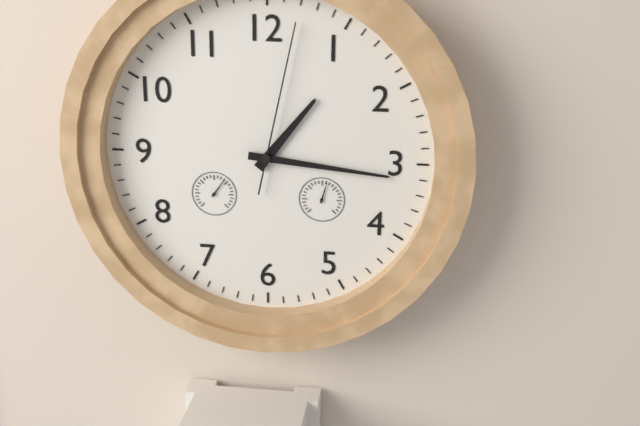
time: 1:16:02
